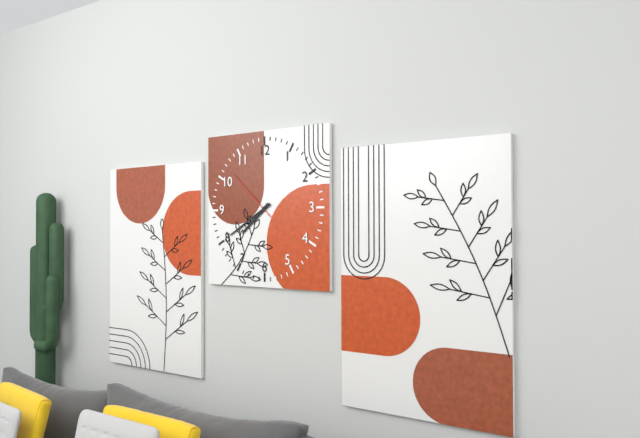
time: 7:40:52
